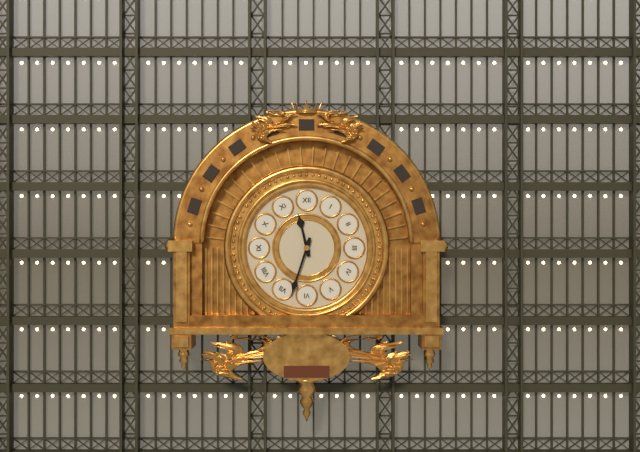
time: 11:33
